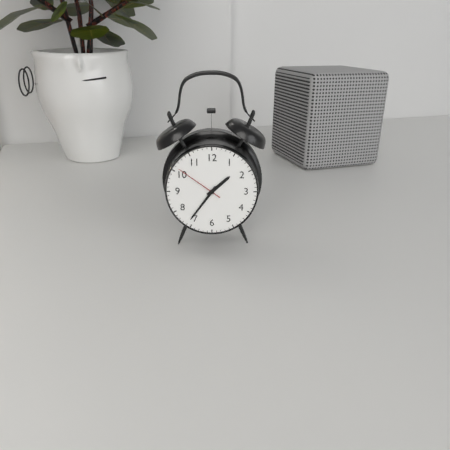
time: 1:36:51
